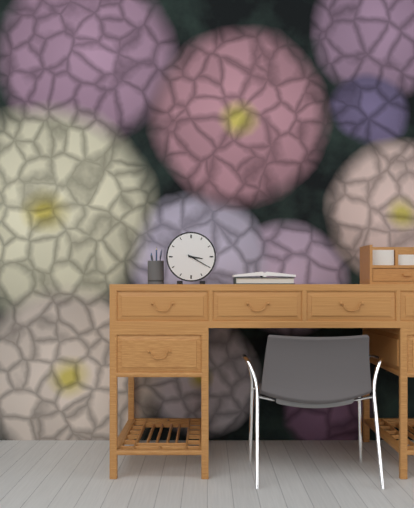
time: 3:20
